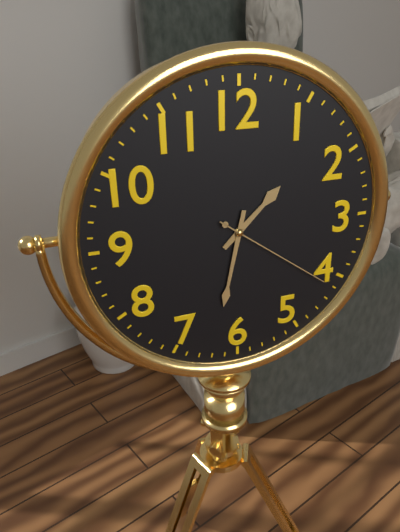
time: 1:32:21
